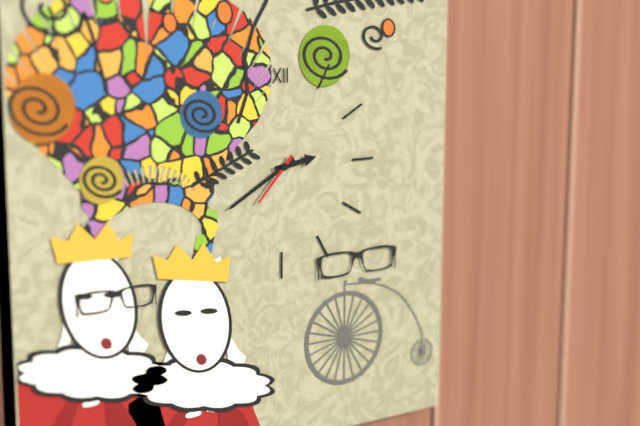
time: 2:40:37
